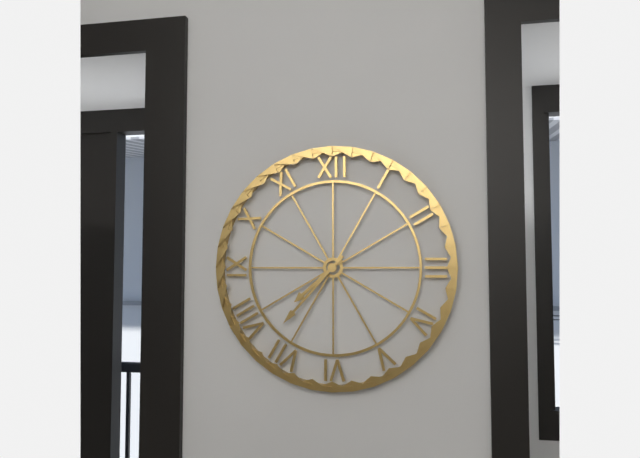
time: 7:37
